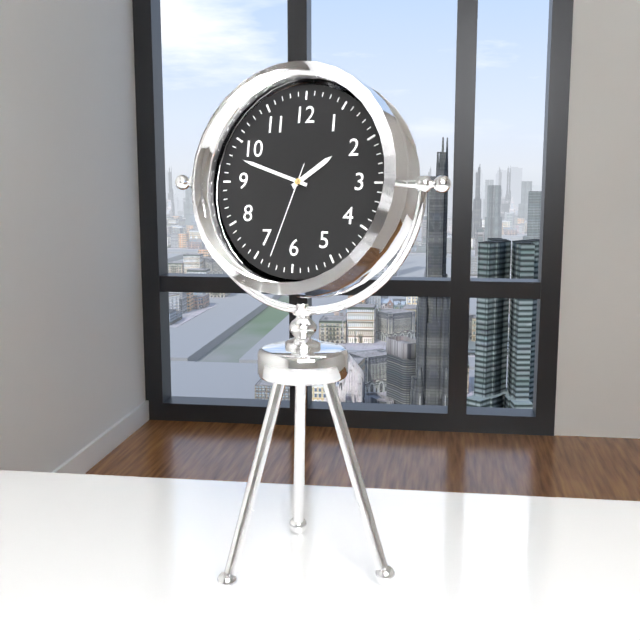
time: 1:48:33
